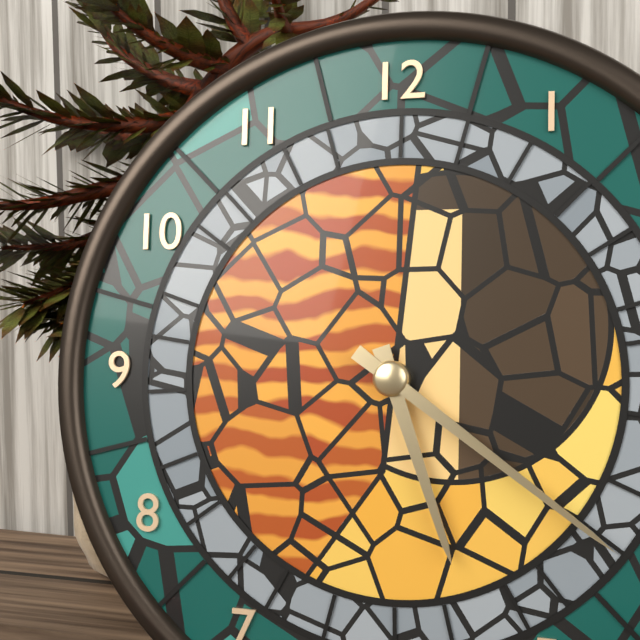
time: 5:21
